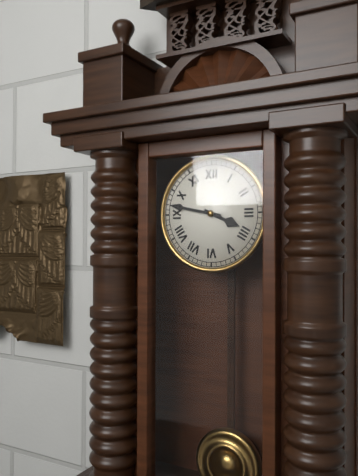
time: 3:47
